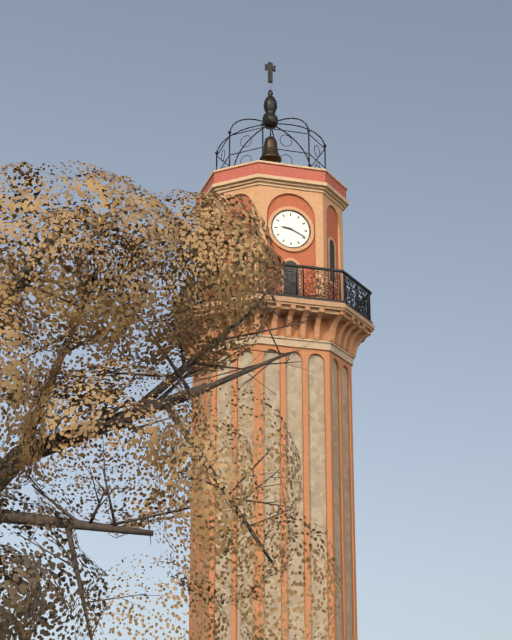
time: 9:19
